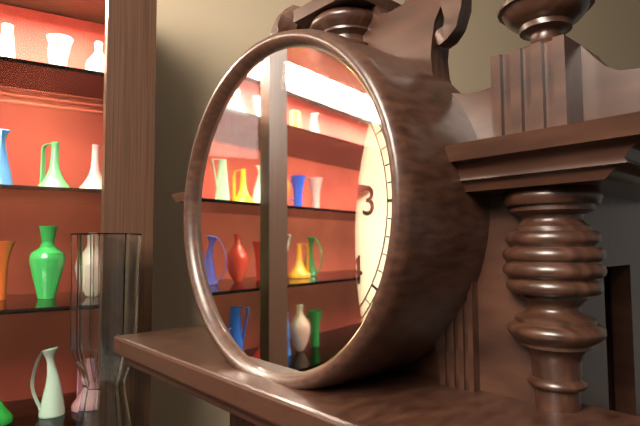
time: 1:14
